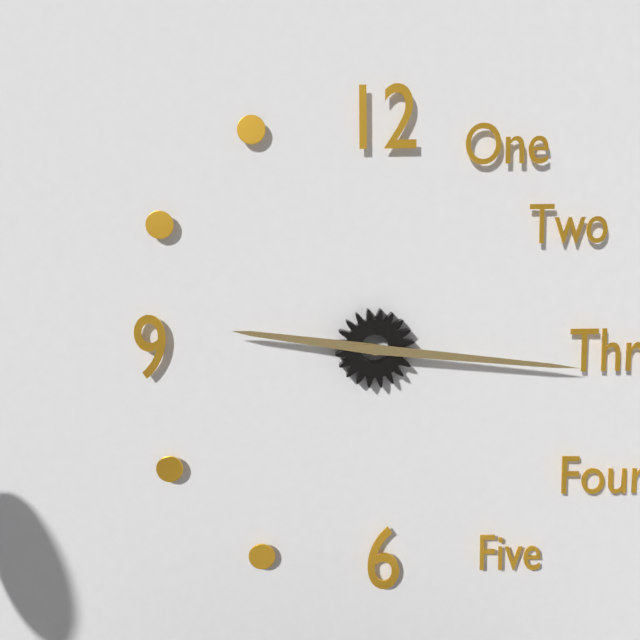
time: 9:16
